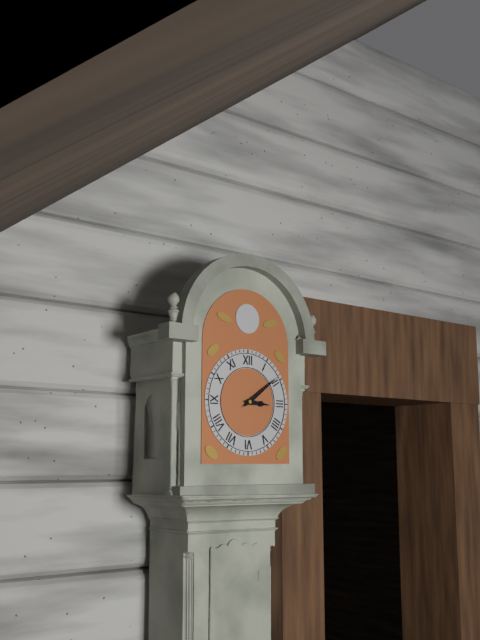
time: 3:09
